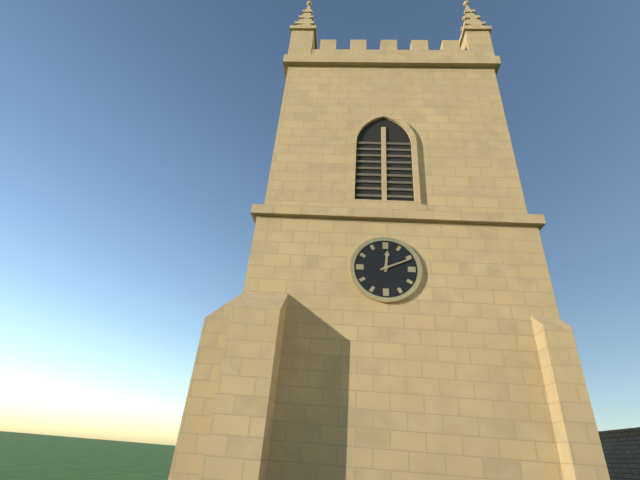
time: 12:11
